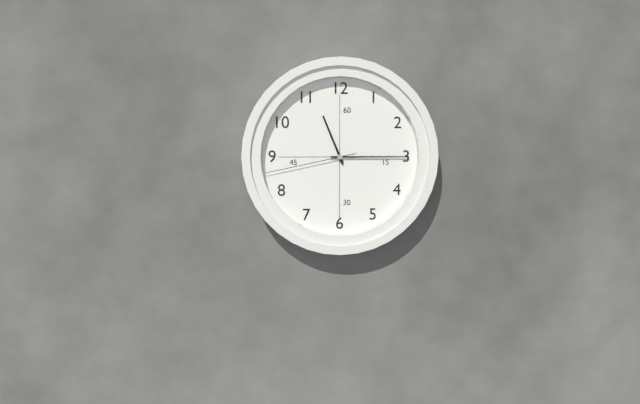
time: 11:15:43
